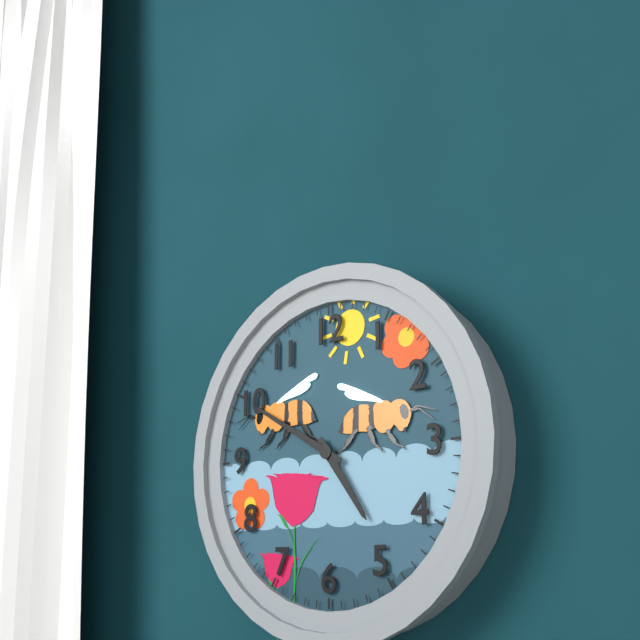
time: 4:50
